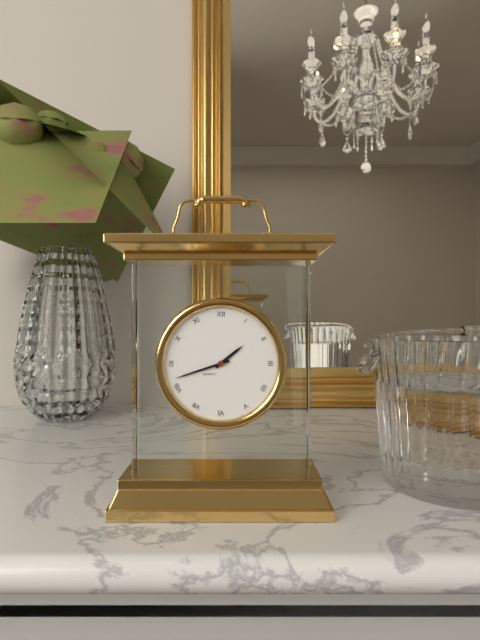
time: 1:42
